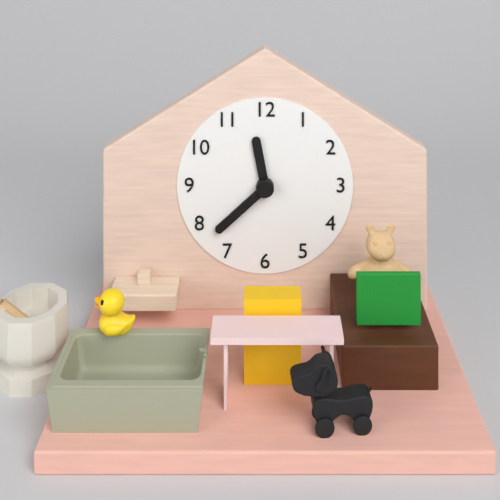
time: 11:38
